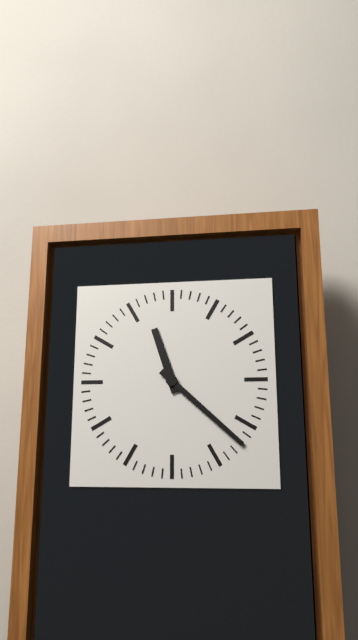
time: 11:22
